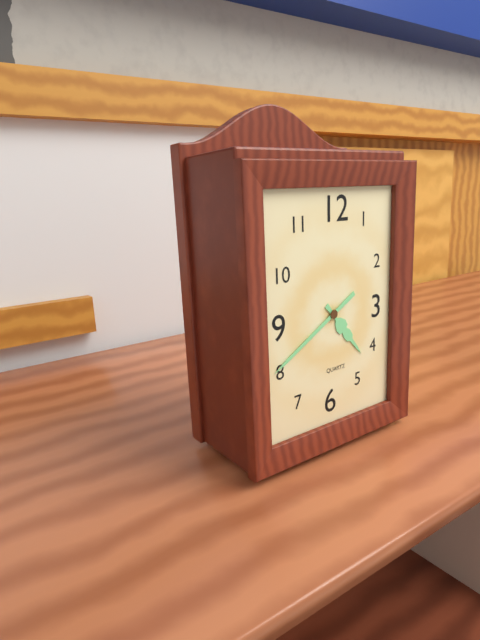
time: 4:40
